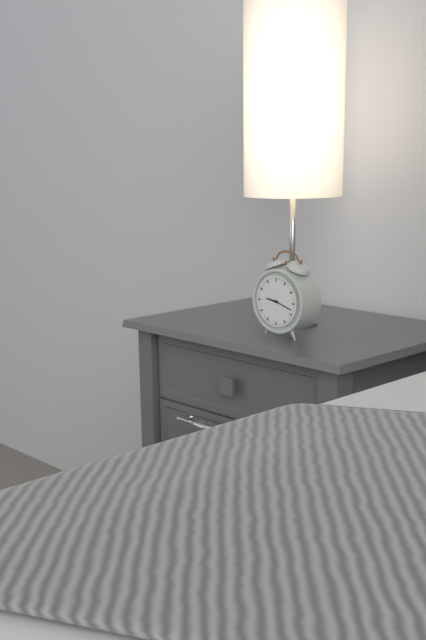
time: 9:18
